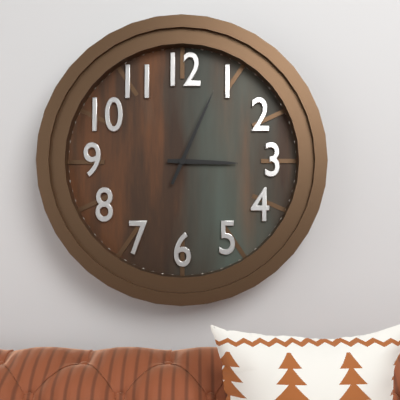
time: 3:04
